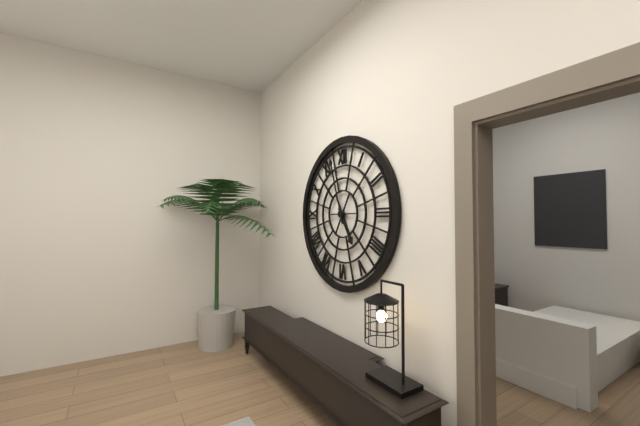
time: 4:57
